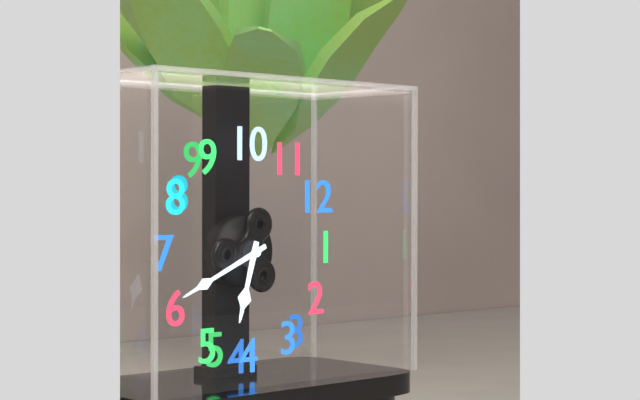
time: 4:31
